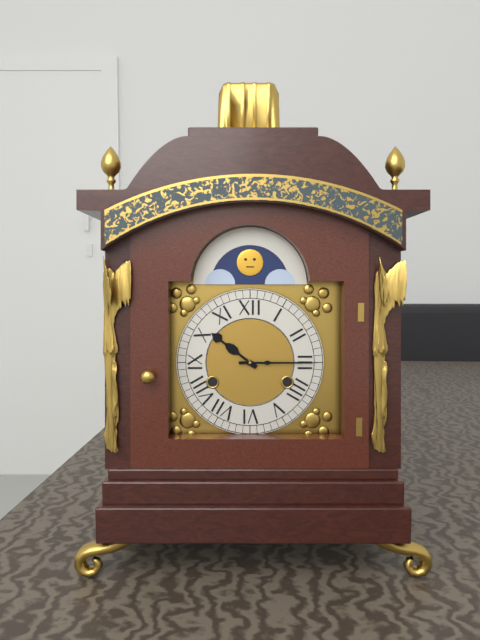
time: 10:15
